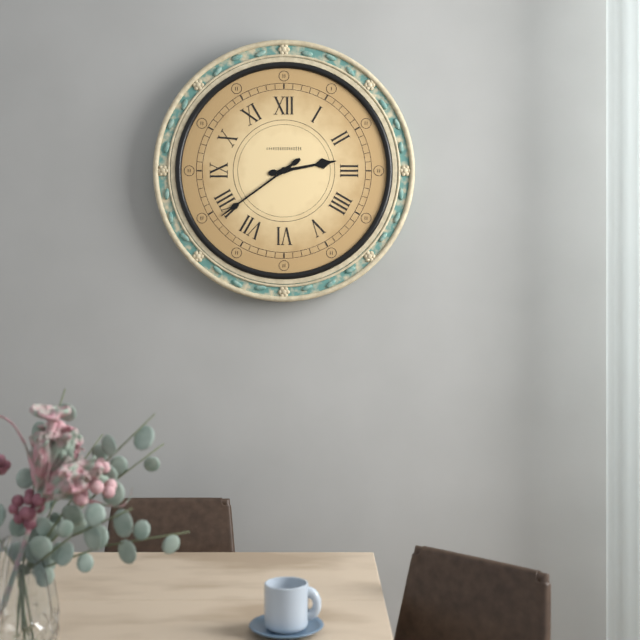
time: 2:39
